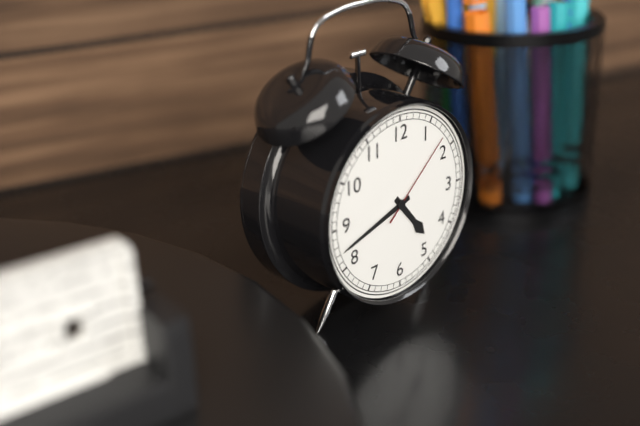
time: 4:42:08
